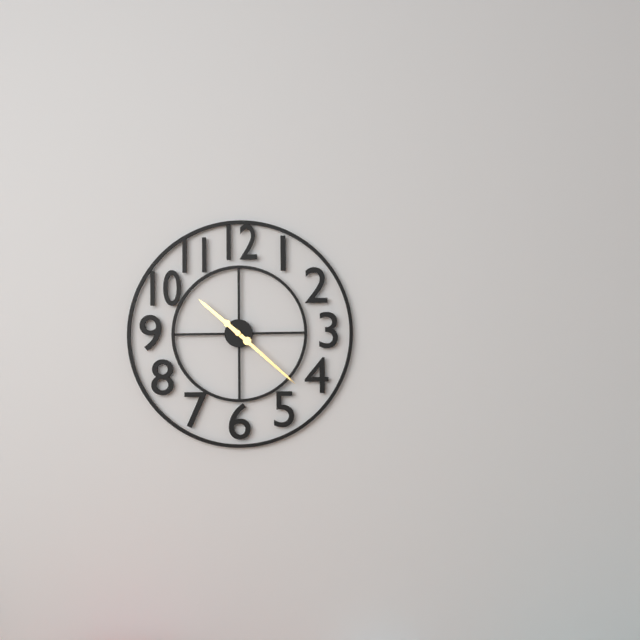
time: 10:22
